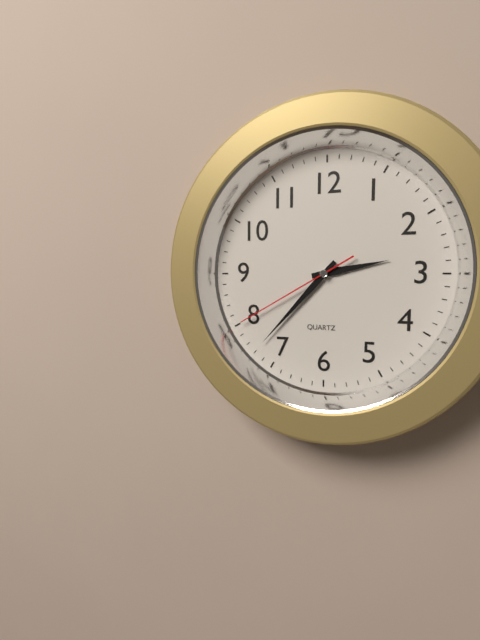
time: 2:37:40
